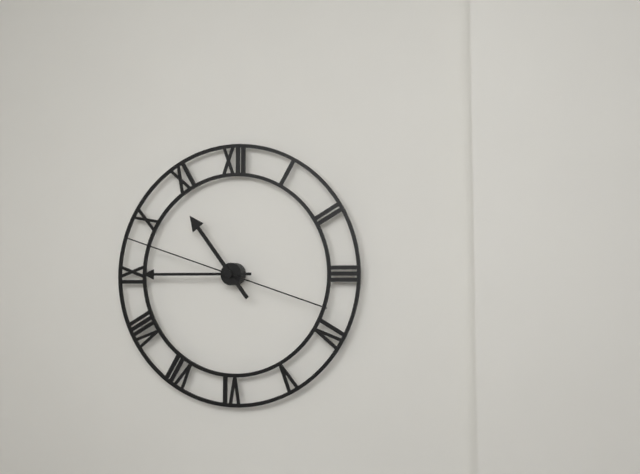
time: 10:45:48
